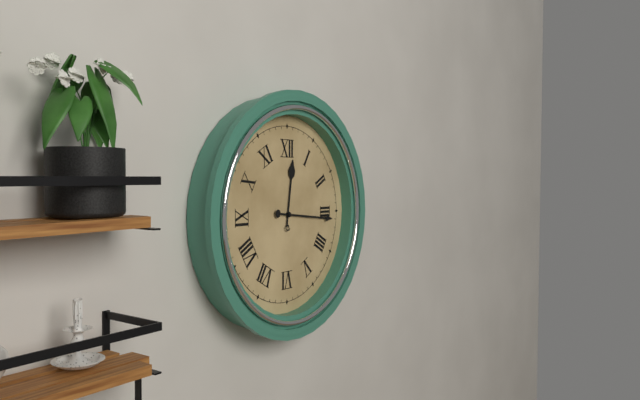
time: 12:16
